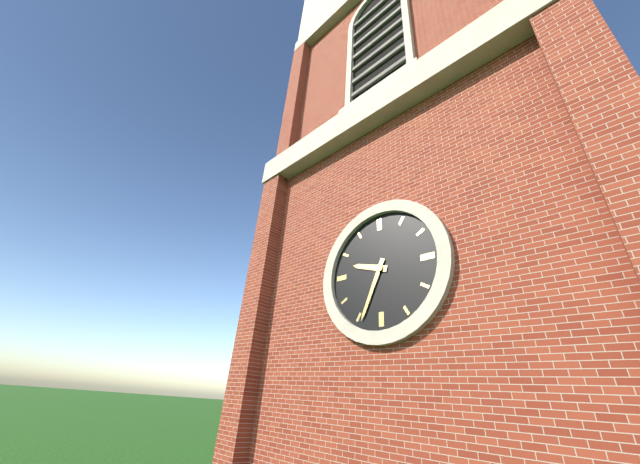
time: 9:34
